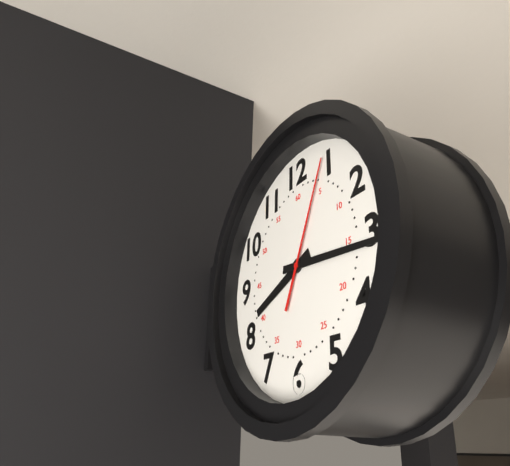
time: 8:16:04
